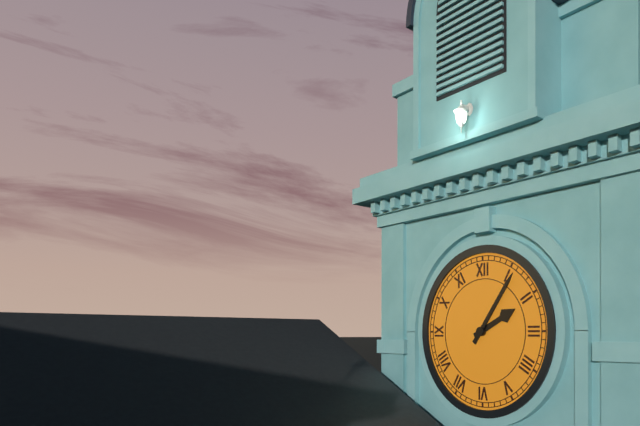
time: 2:06
